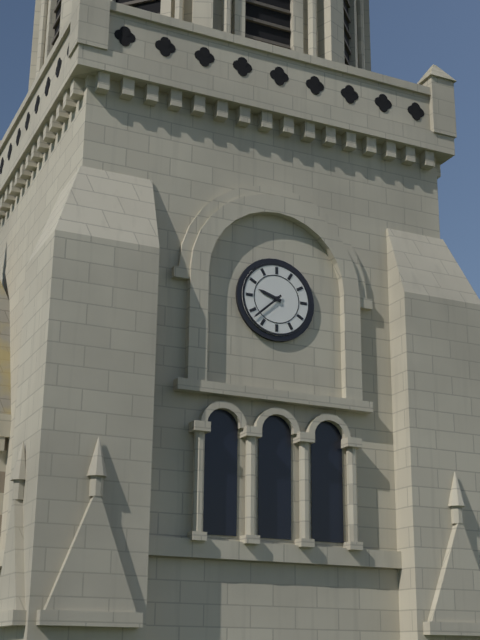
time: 9:38
